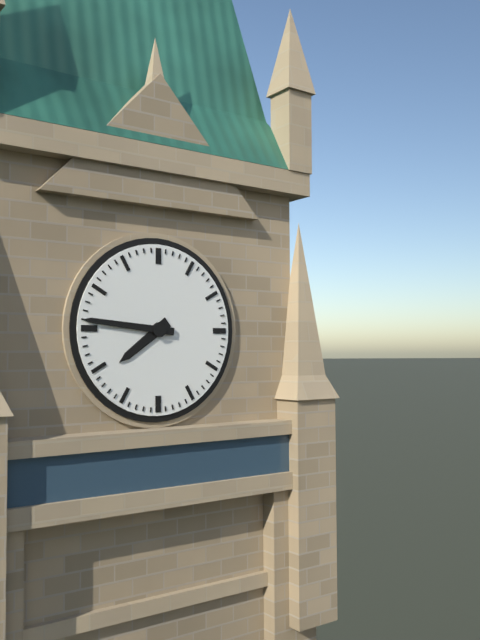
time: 7:46
